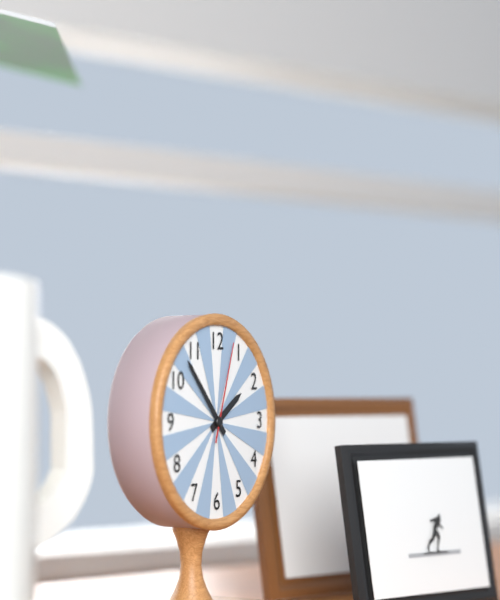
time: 1:53:03
